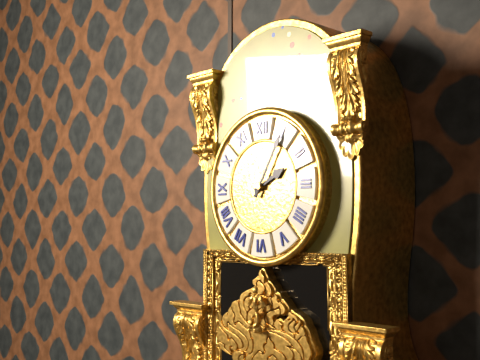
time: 2:05
